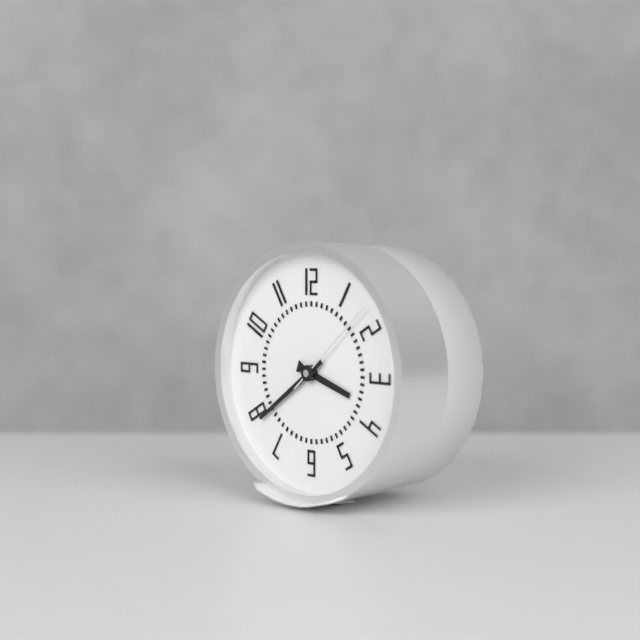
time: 3:39:08
